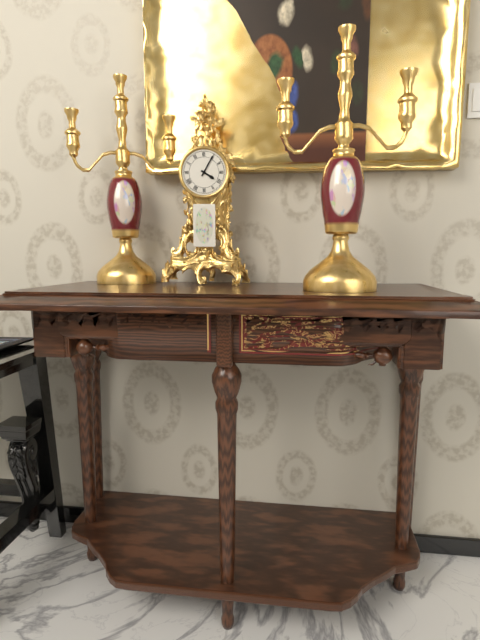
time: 4:05
